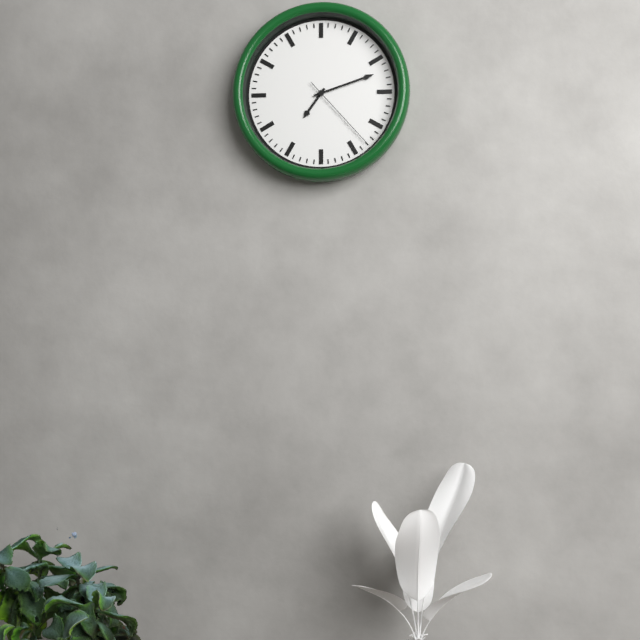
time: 7:12:23
